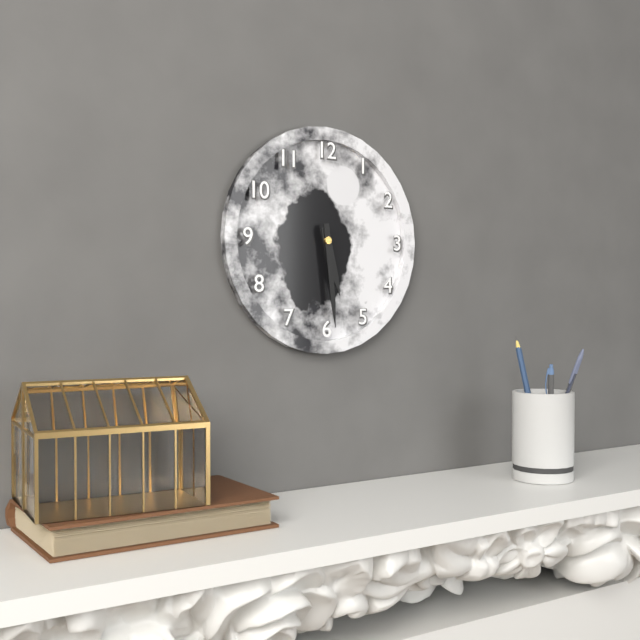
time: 5:29
